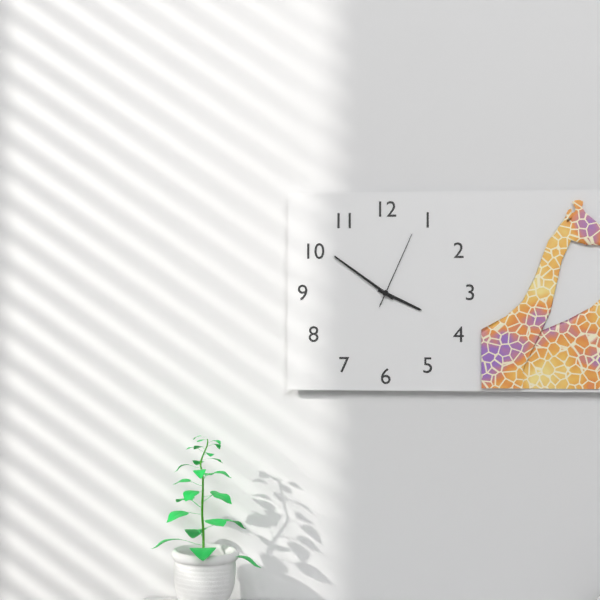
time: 3:51:04
